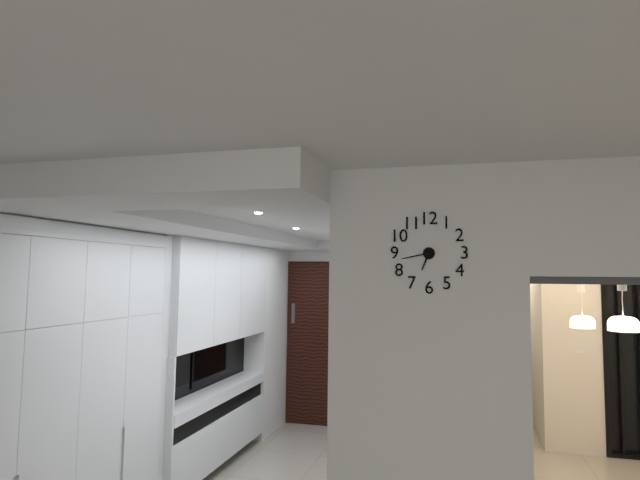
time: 6:43
